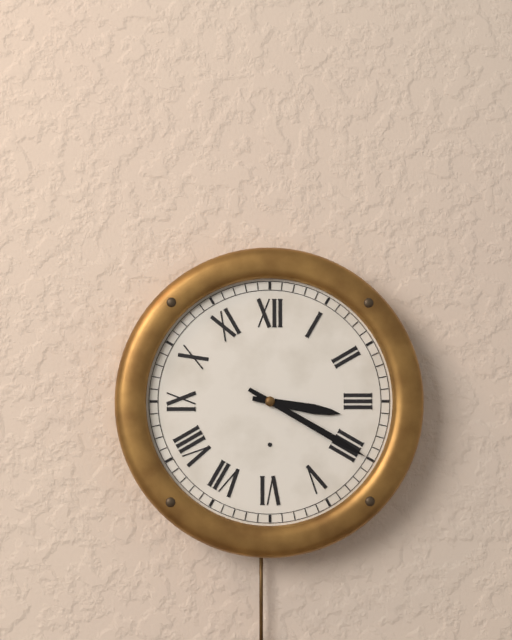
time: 3:20
